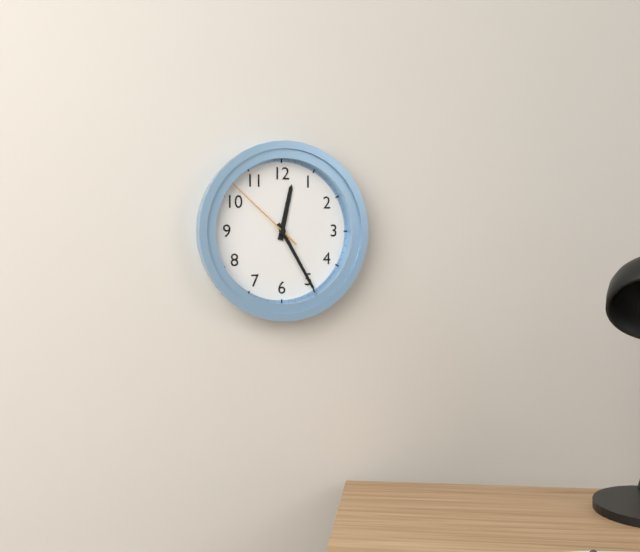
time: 12:25:52
